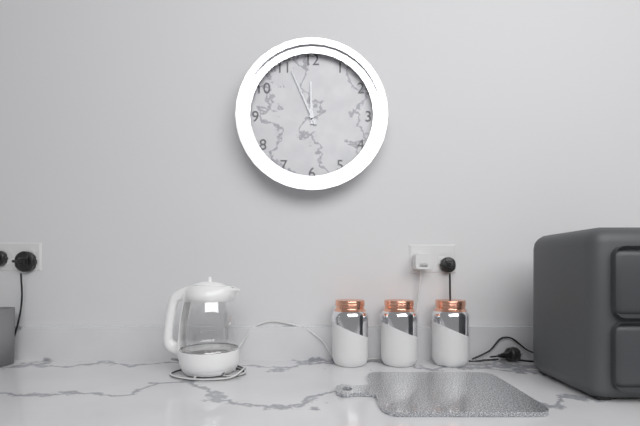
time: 11:56
